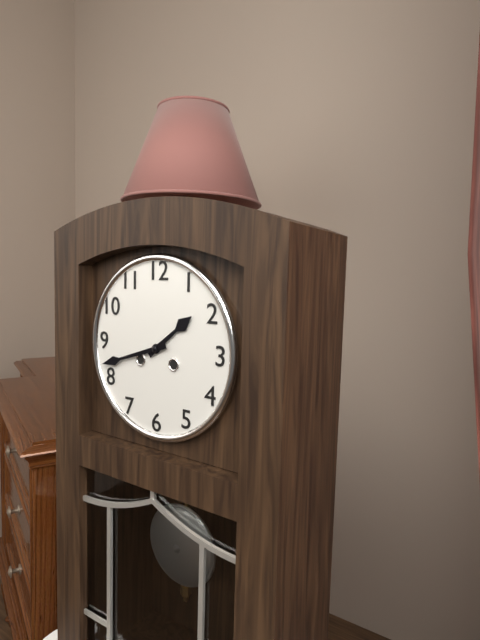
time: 1:42
